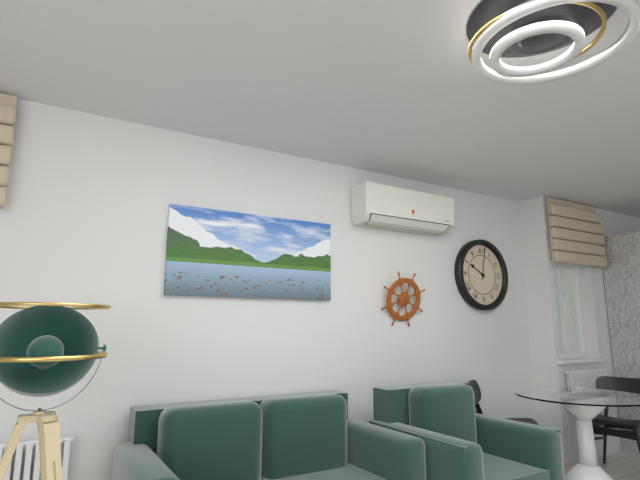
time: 10:02
